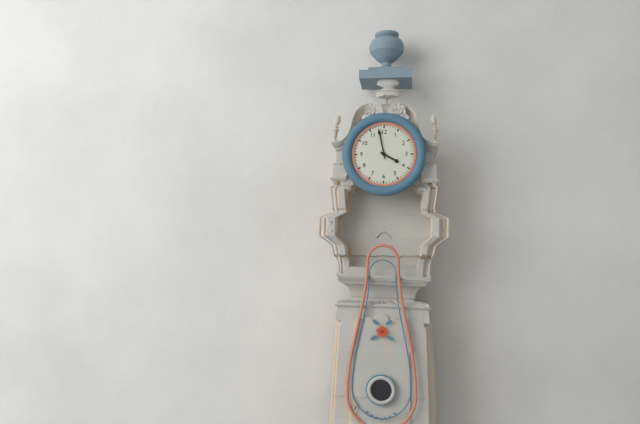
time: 3:58
